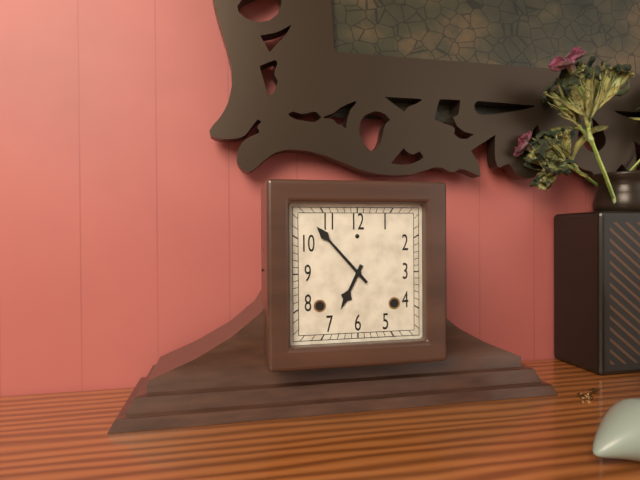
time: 6:53
